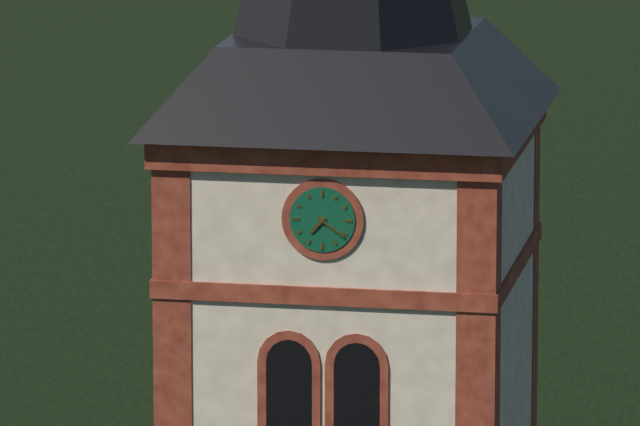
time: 7:21
